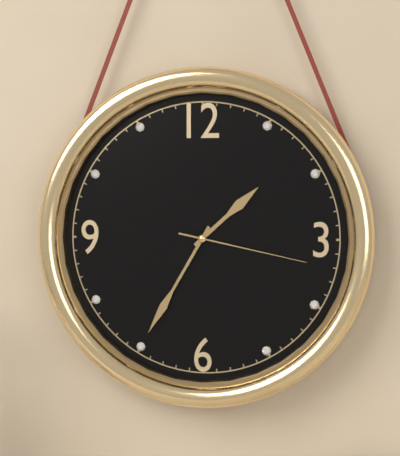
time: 1:35:17
